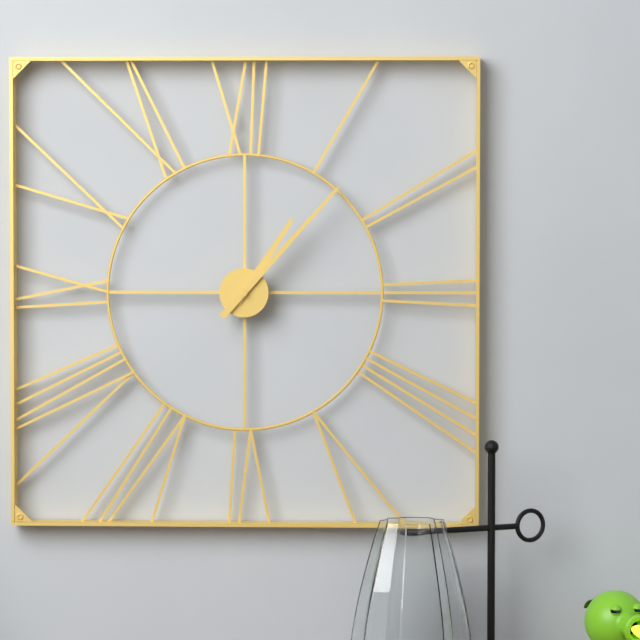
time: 1:07
